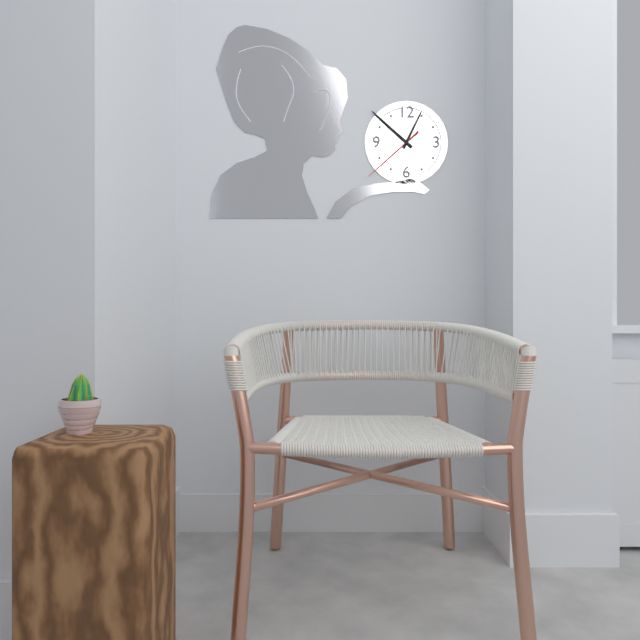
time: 12:52:38
